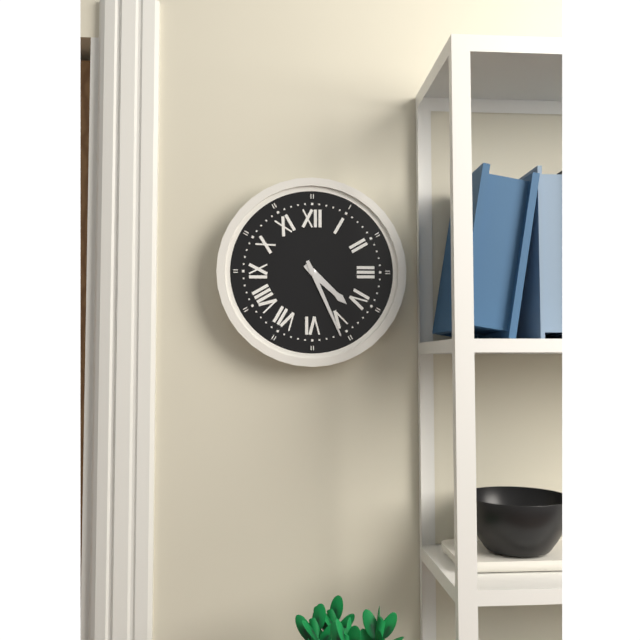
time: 4:26
